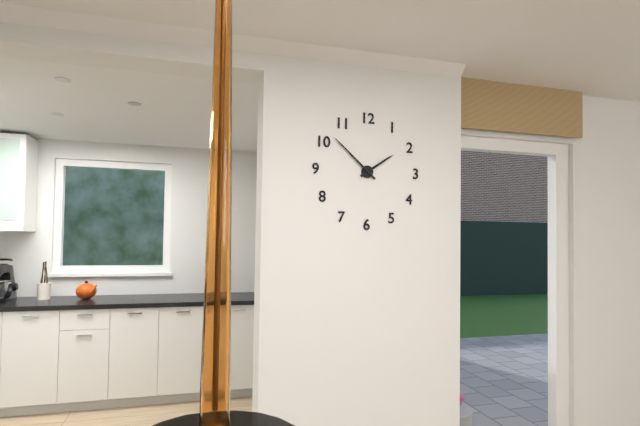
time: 1:52
